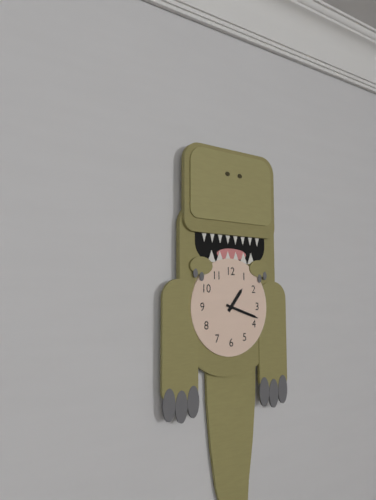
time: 1:18
